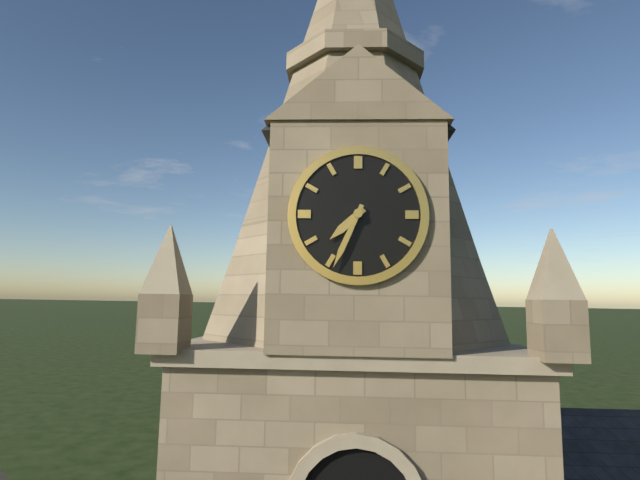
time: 7:34
